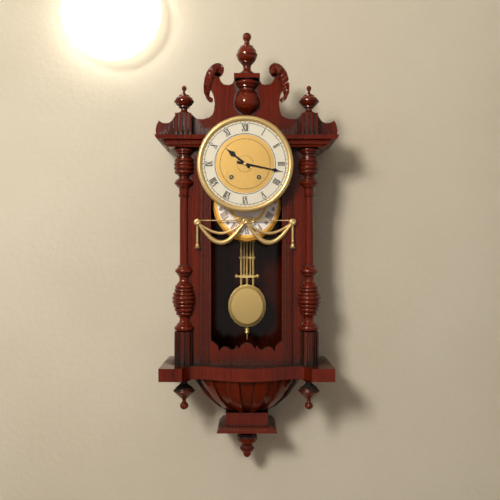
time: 10:17
